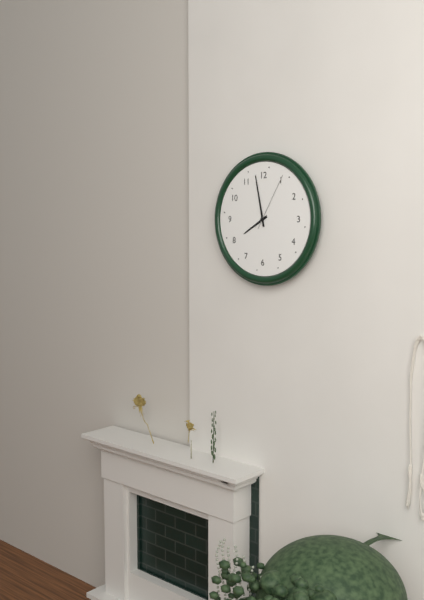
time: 7:58:05
